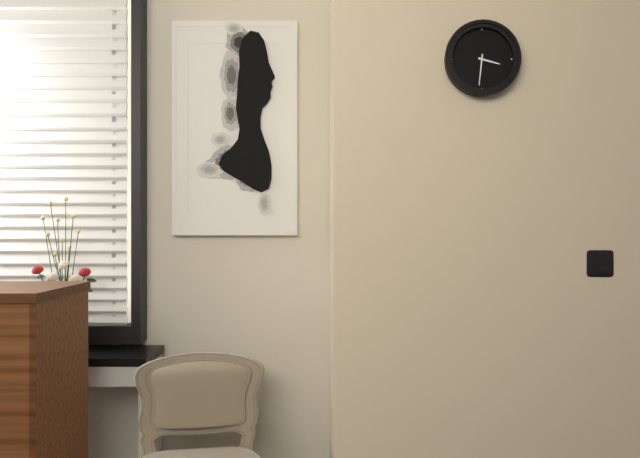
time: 3:31
